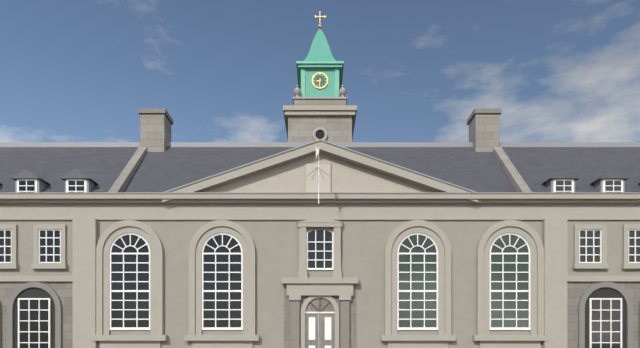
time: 8:31
